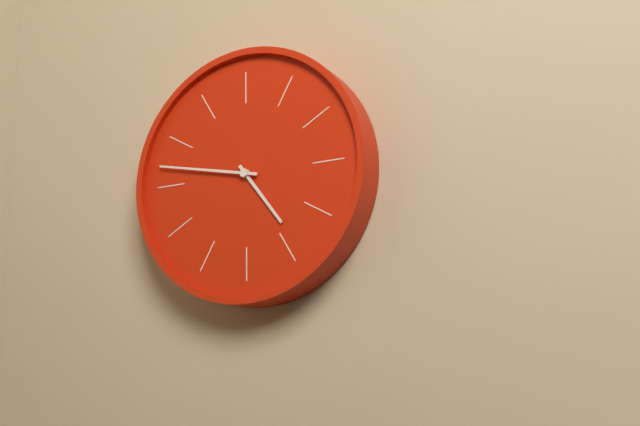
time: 4:47
